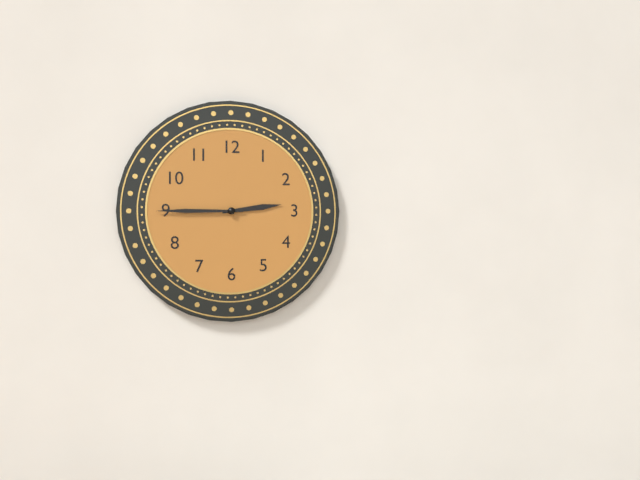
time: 2:45
